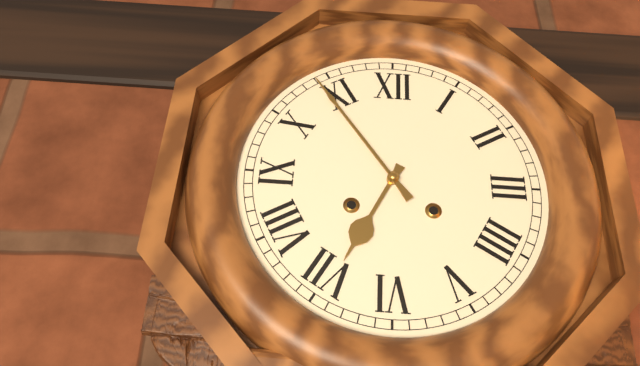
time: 6:54
